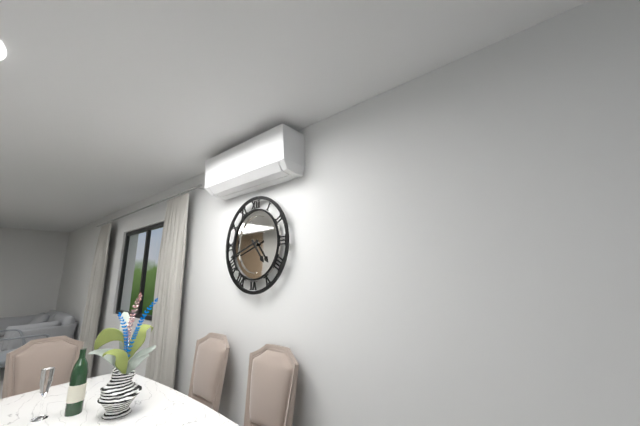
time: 4:42
